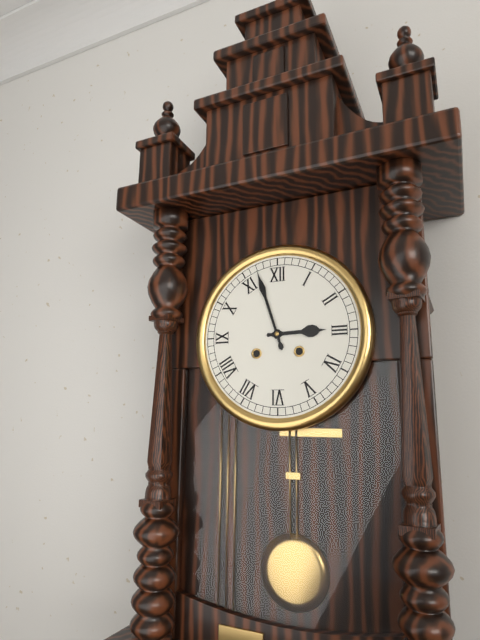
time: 2:57
